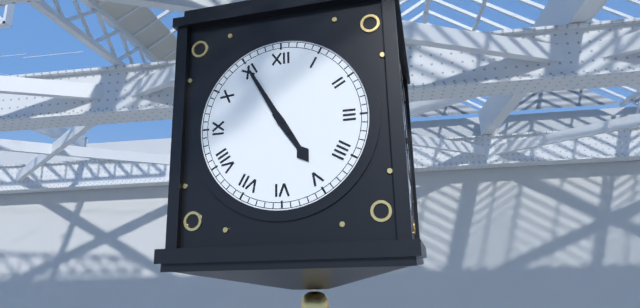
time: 4:55
